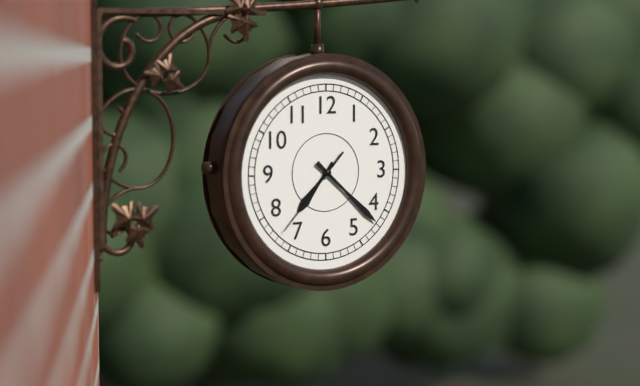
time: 7:22:37
